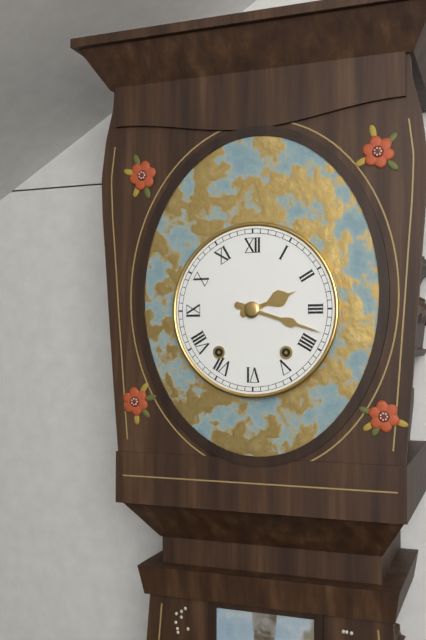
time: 2:18
